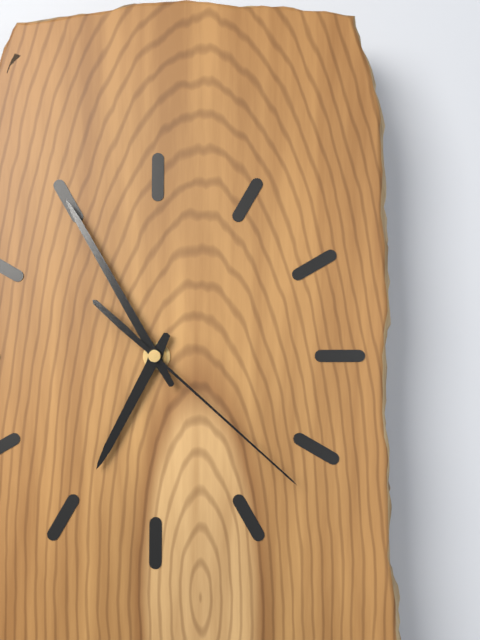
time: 6:55:22
